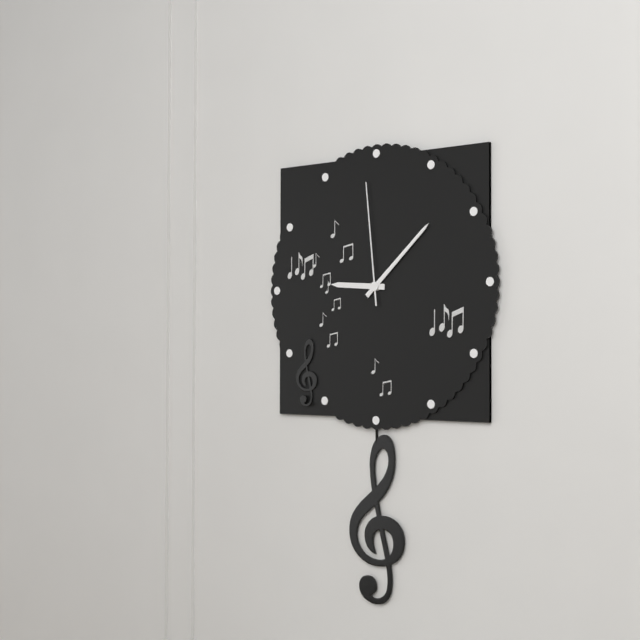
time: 9:08:59
